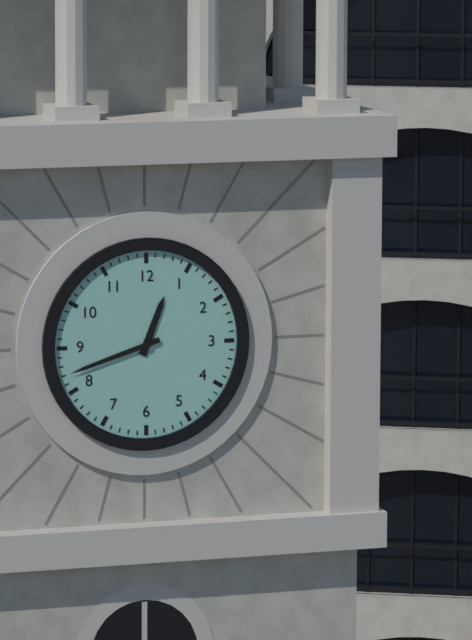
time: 12:42
